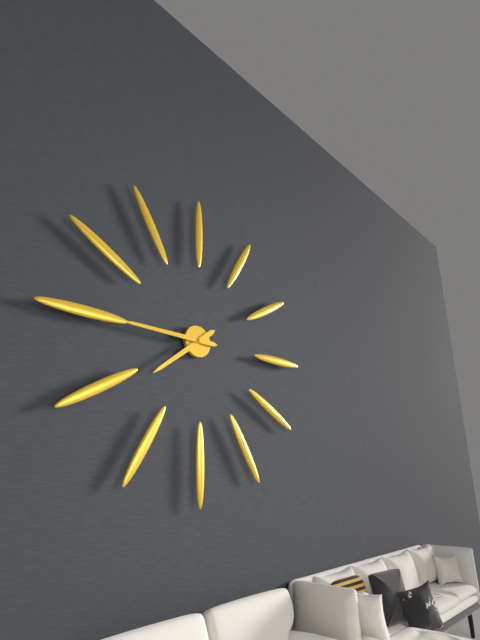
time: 7:45
